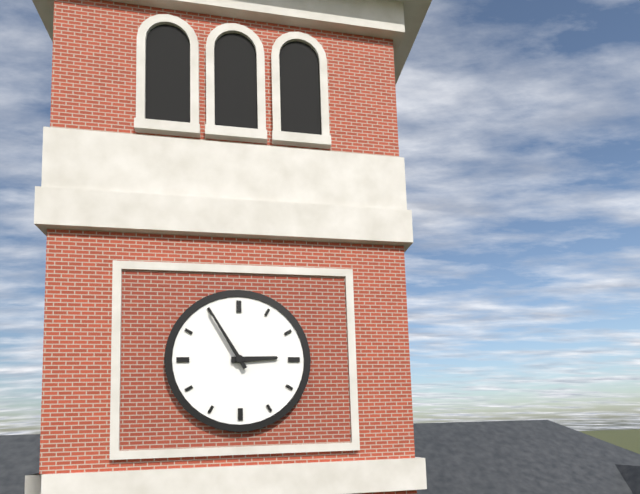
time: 2:55
